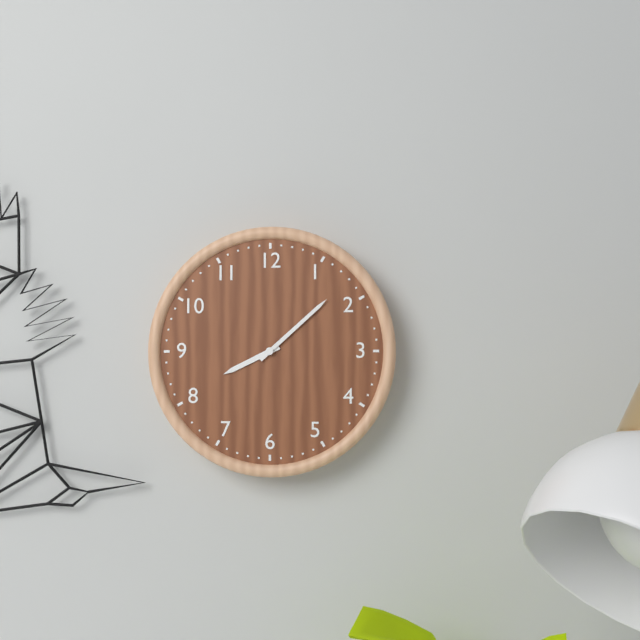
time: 8:08
